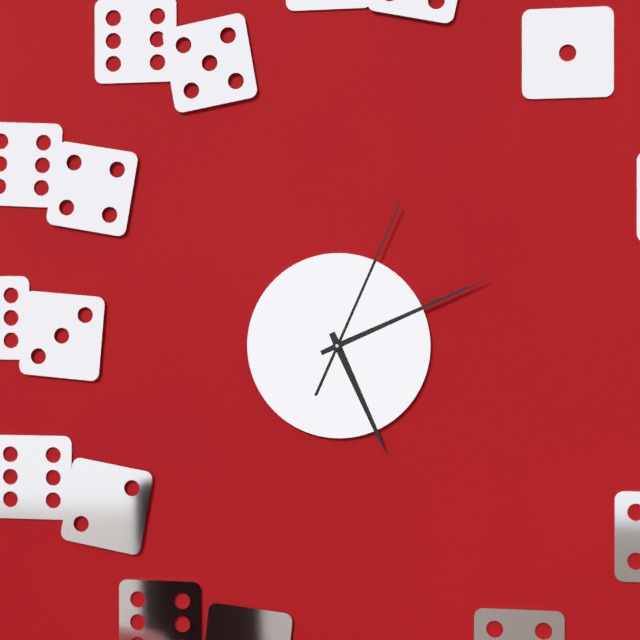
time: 5:11:04
